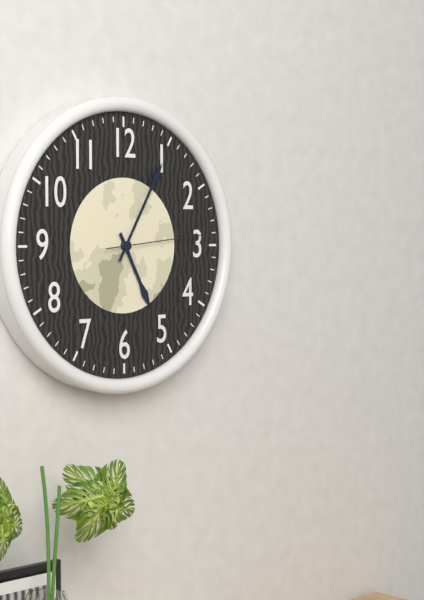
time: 5:05:14
